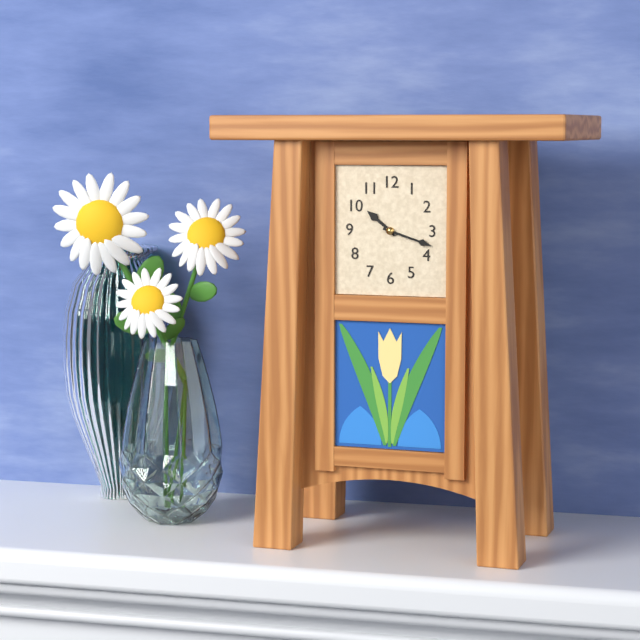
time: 10:18
